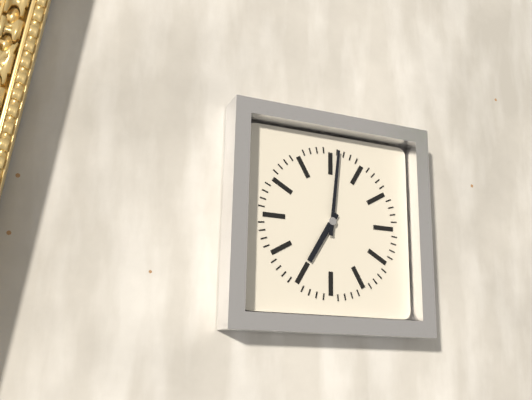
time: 7:01
